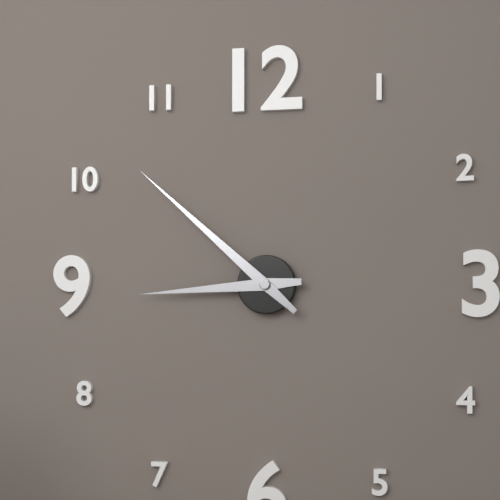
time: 8:52
